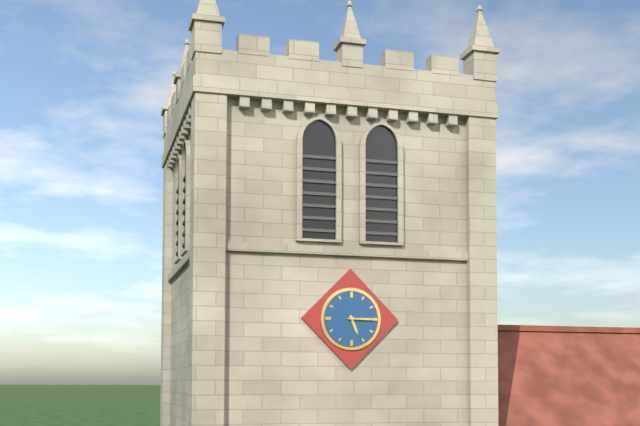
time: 5:15
